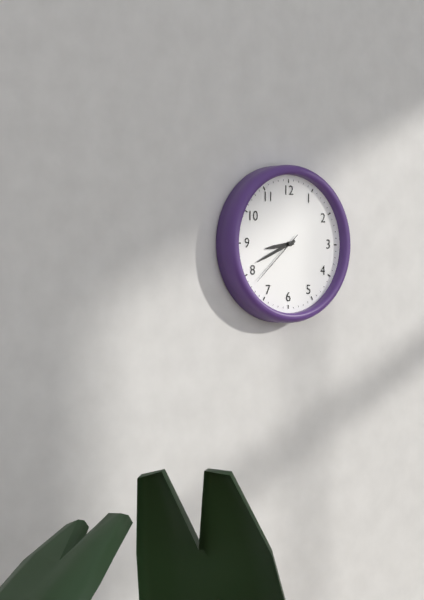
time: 8:41:38
